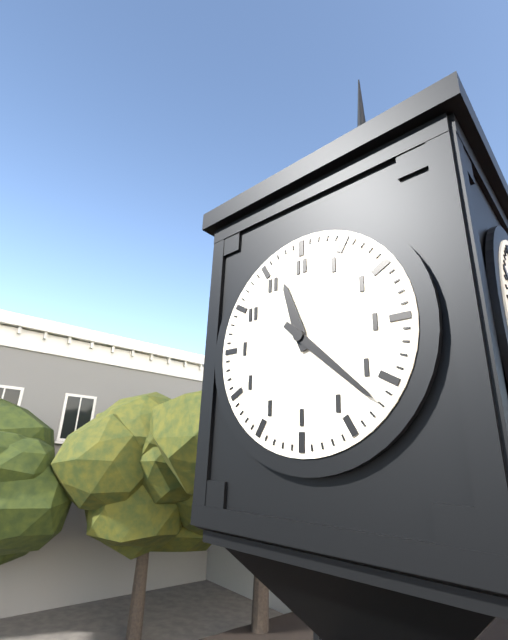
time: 11:22
